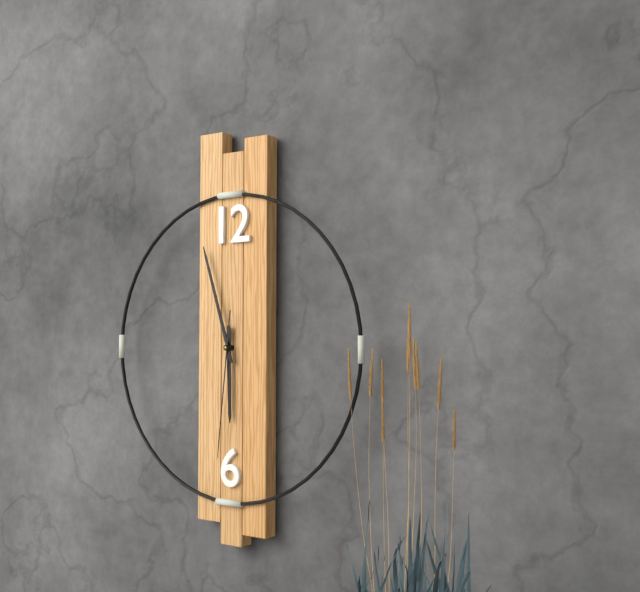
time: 5:57:31
